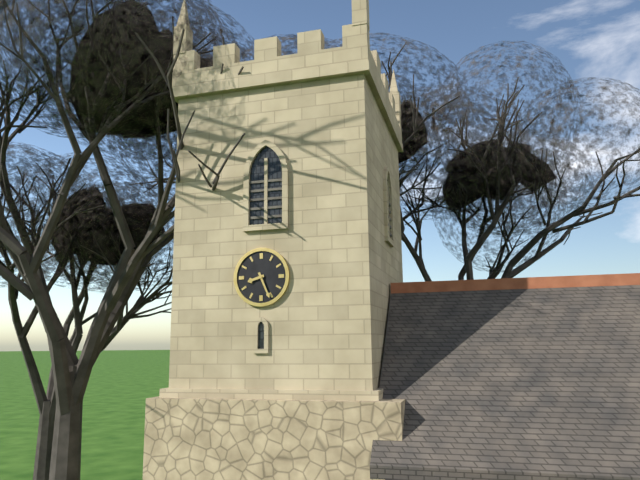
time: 8:26
